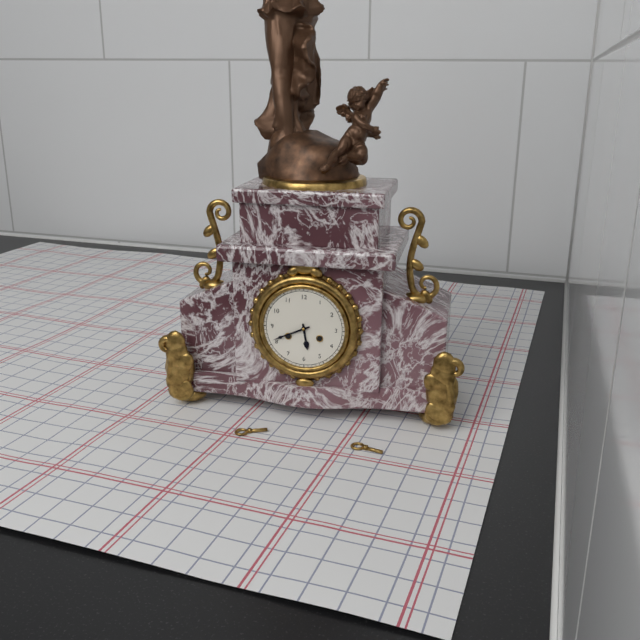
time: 5:41
